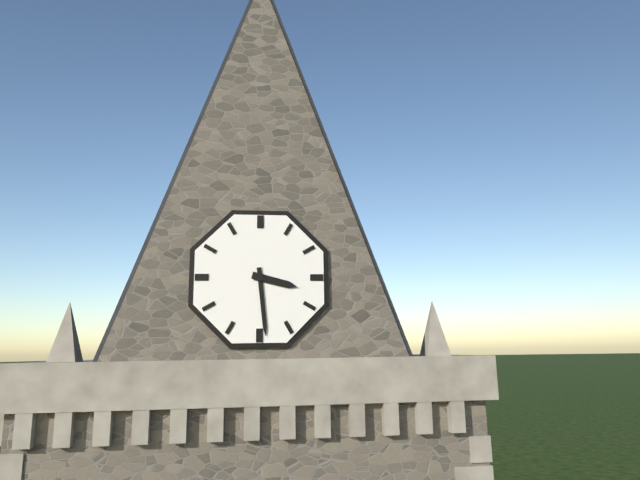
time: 3:29
